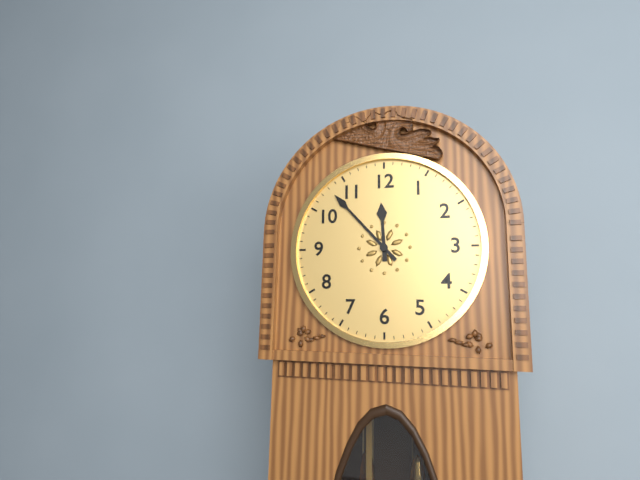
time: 11:53
